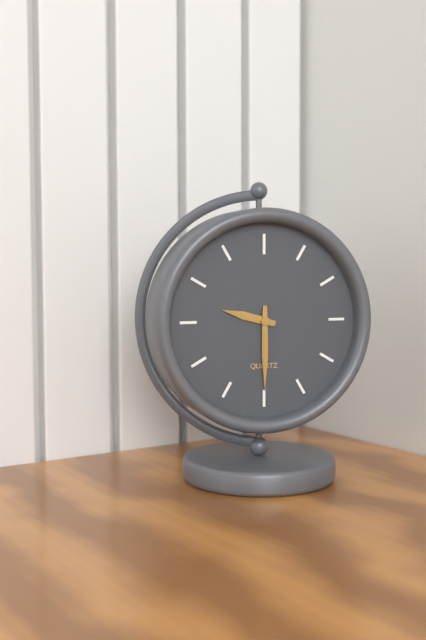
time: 9:30
